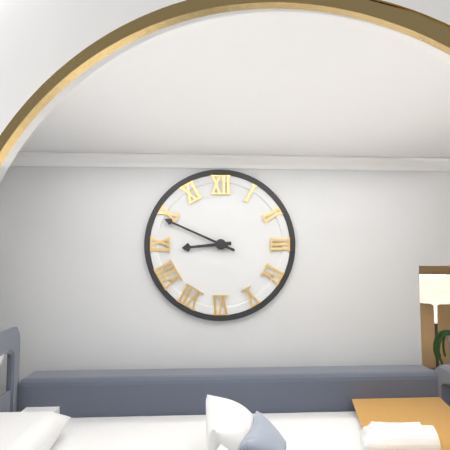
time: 8:49
